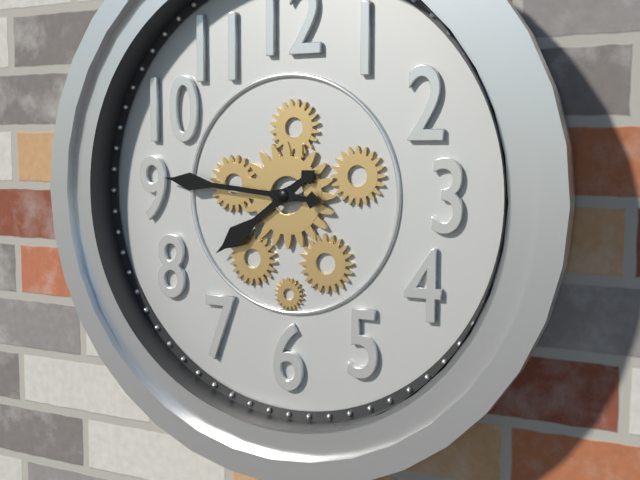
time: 7:46
